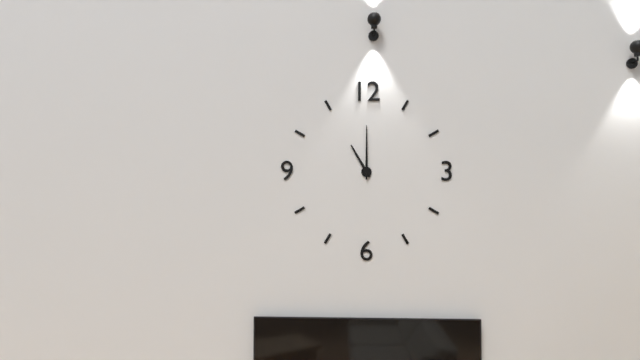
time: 11:00
